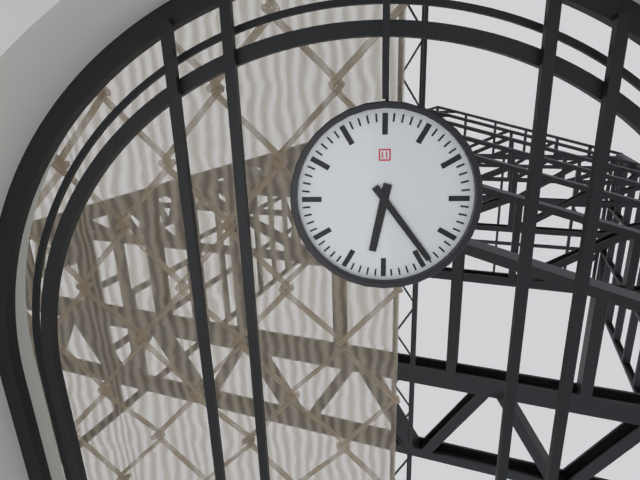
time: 6:24
